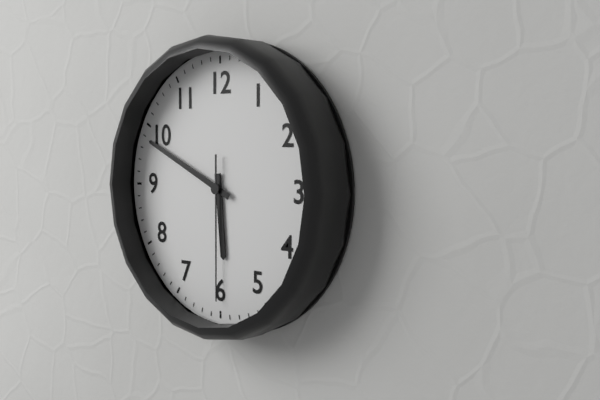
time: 5:49:30
